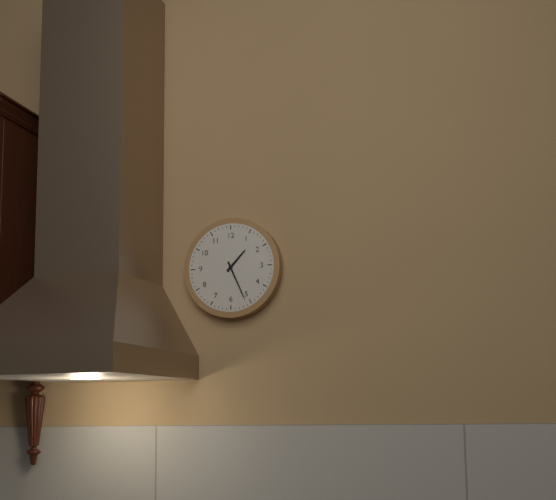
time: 1:26
